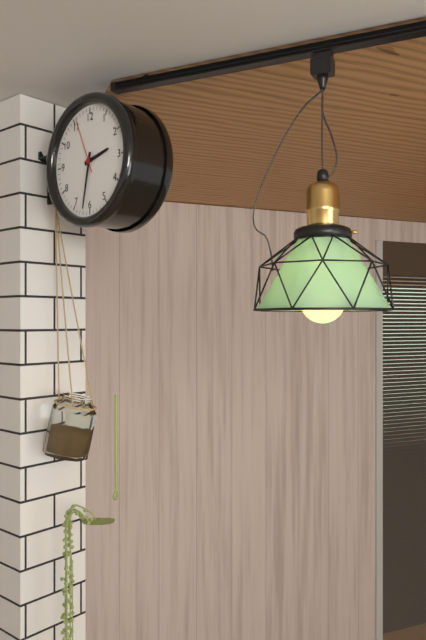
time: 2:32:56
